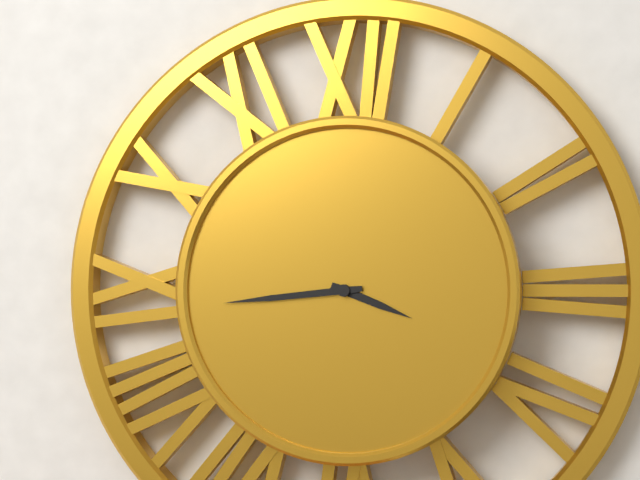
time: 3:44
